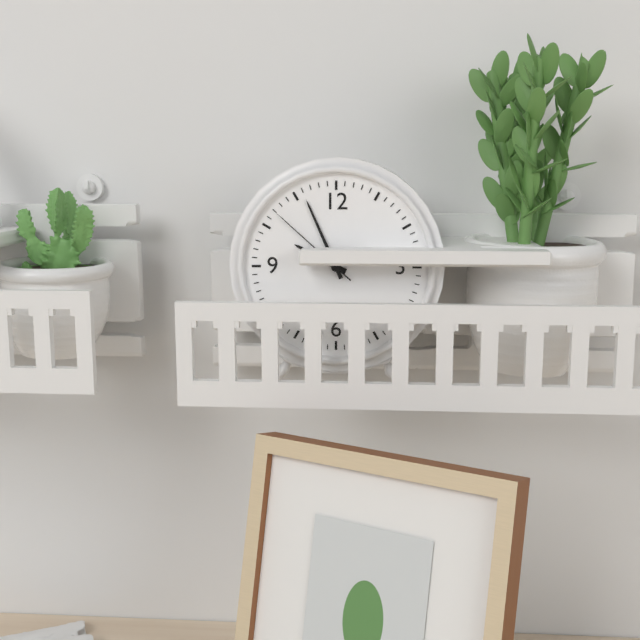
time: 9:56:52
